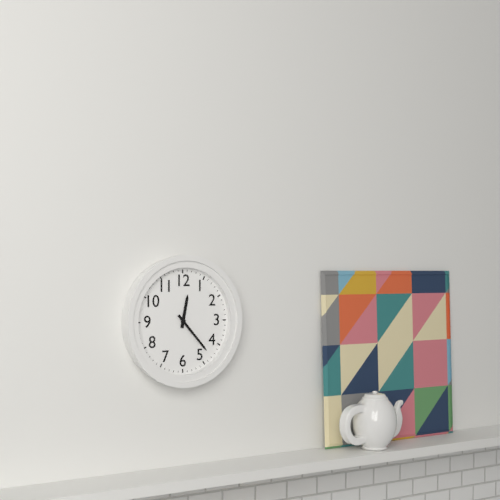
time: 12:23
